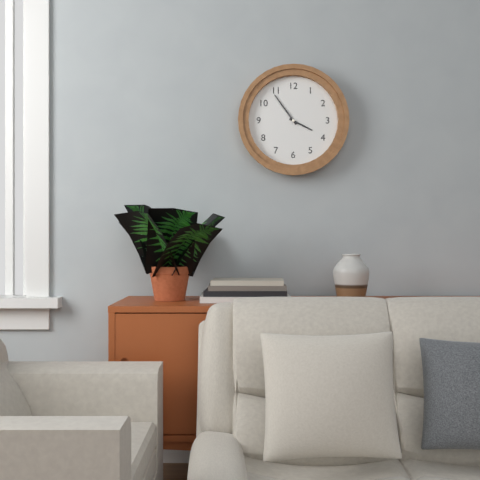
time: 3:54
